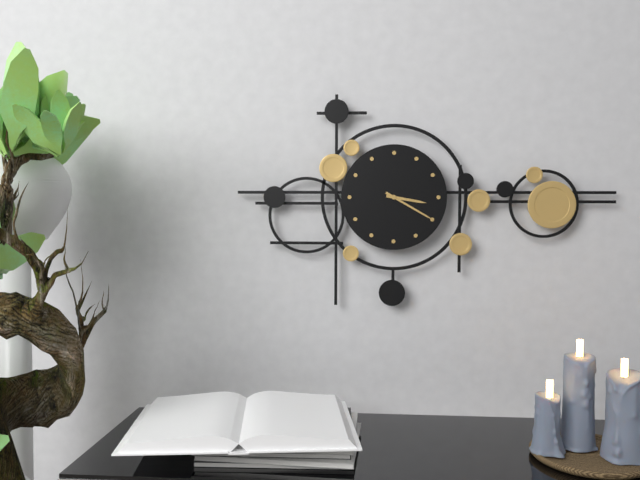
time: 3:20
